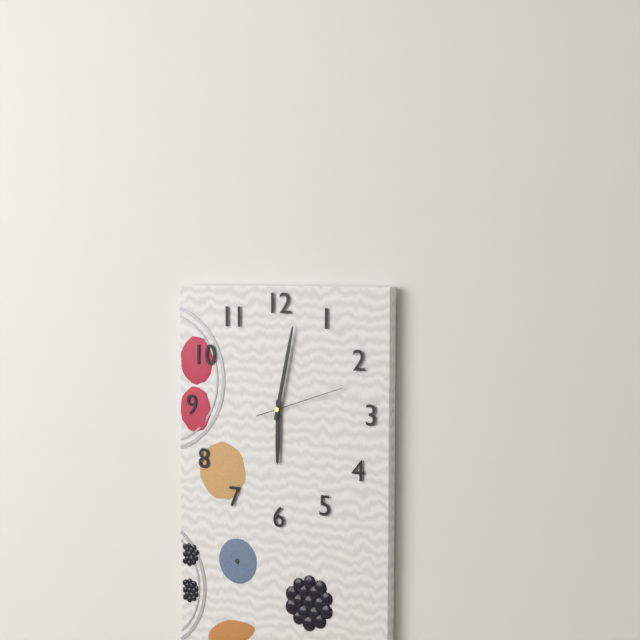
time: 6:02:12
